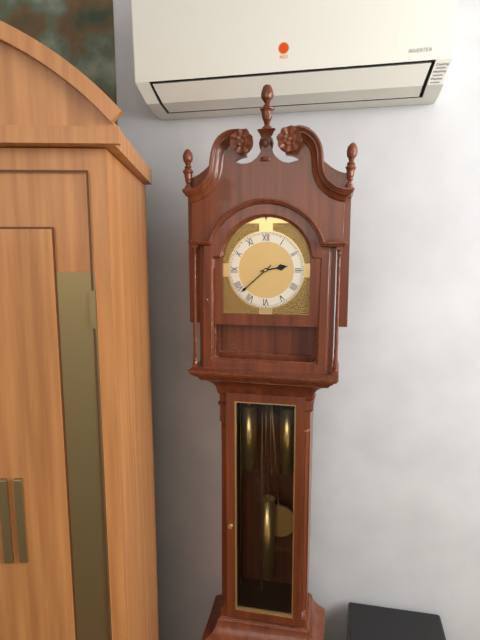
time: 2:38
